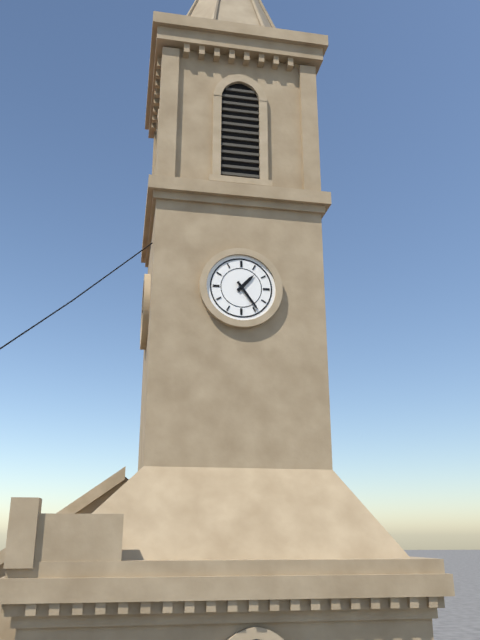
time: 1:24
